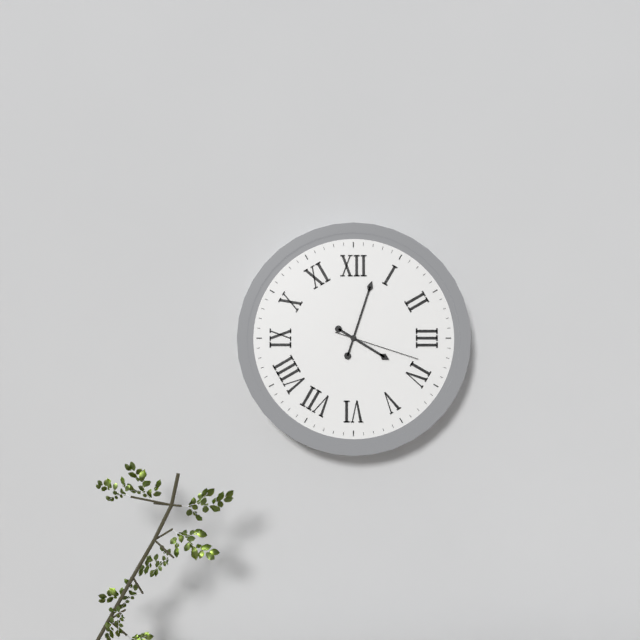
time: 4:03:18
